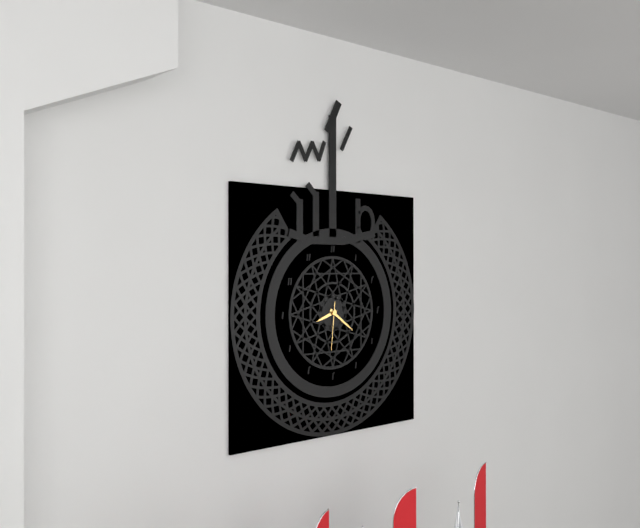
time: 8:21
